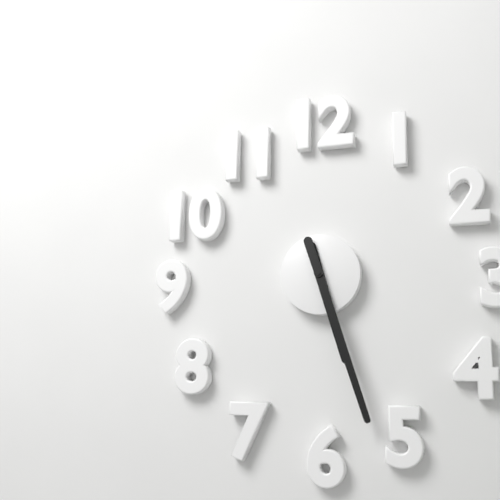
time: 5:27
